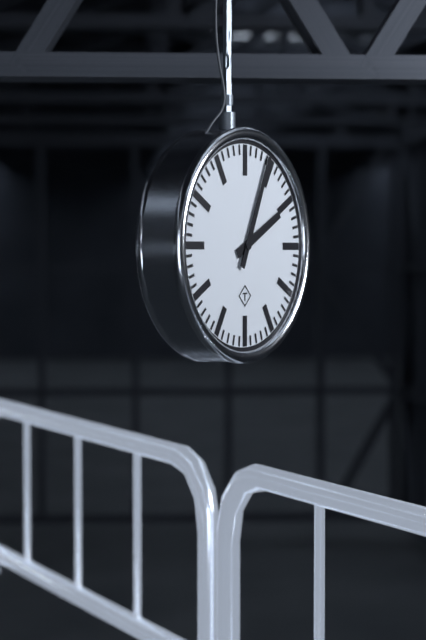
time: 2:04
